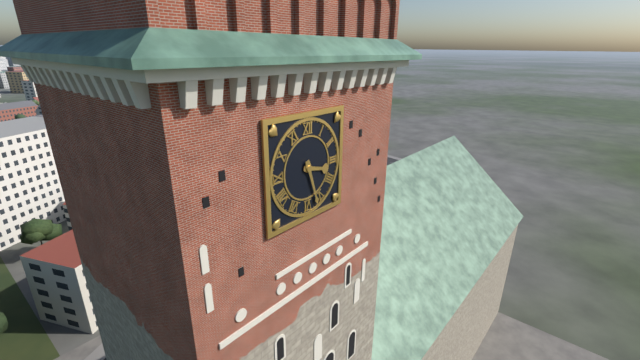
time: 3:27
